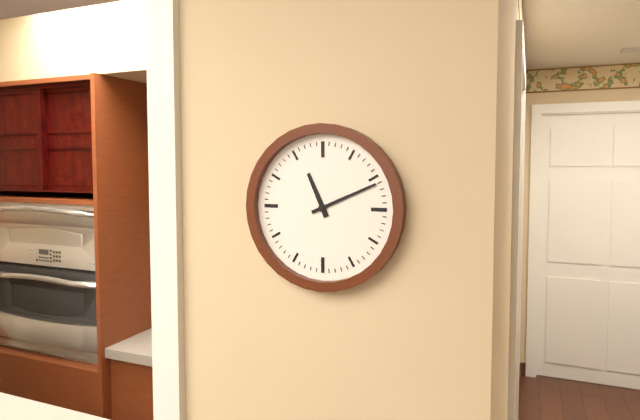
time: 11:11
